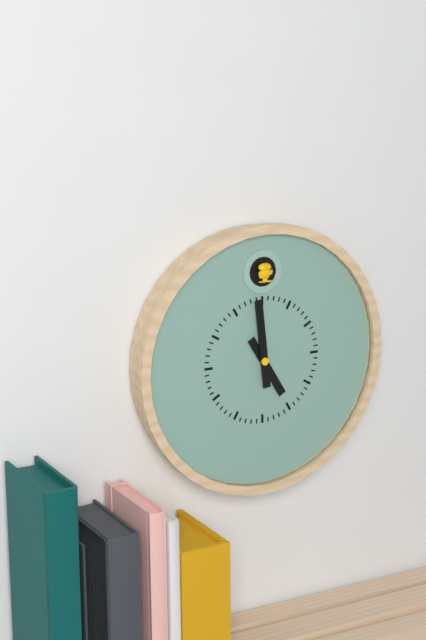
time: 4:59
